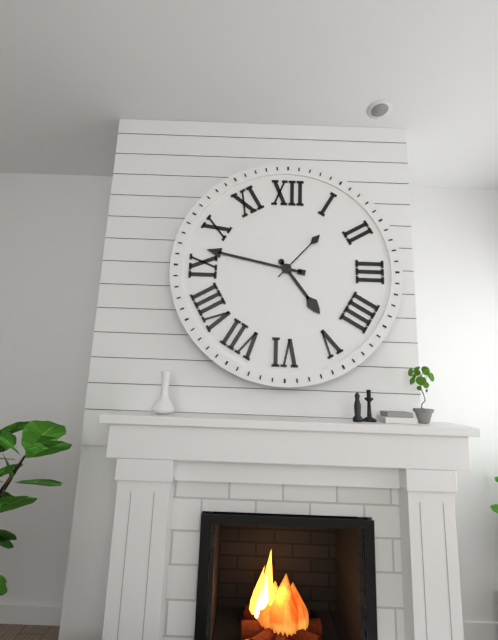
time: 4:47:07
